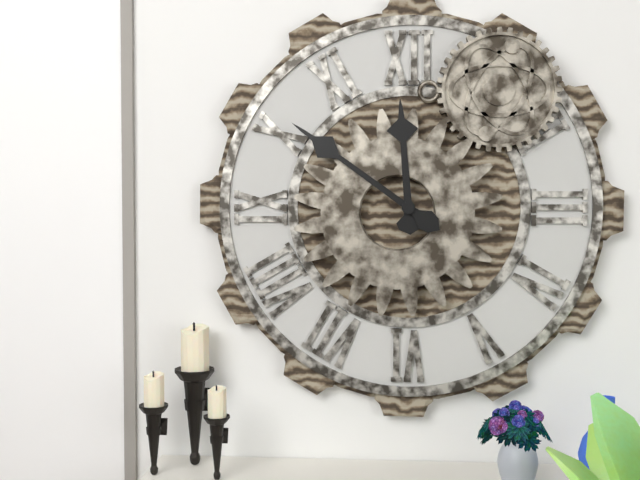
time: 11:51
